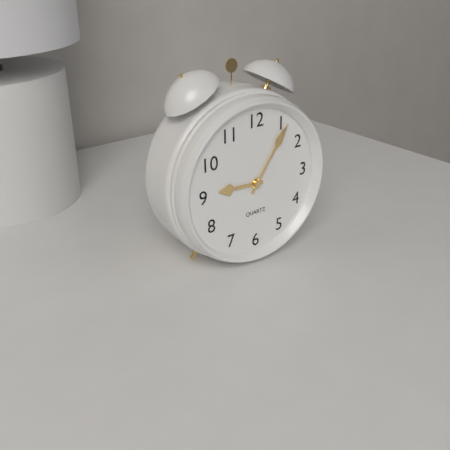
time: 9:06
